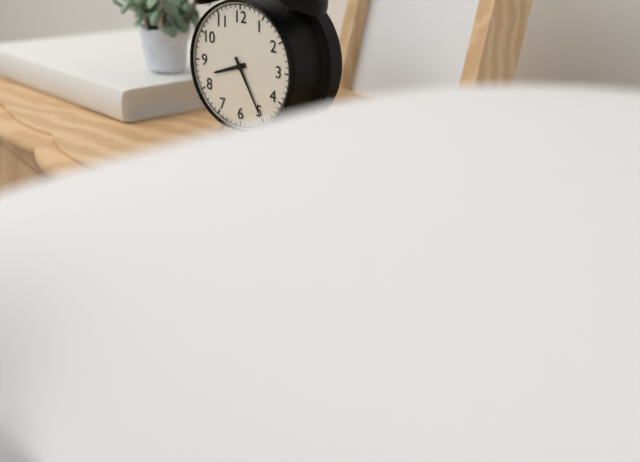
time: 8:25
